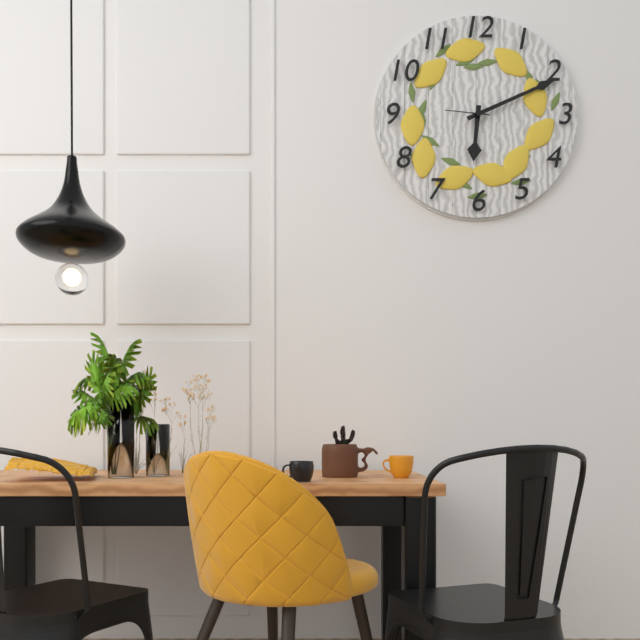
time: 6:11
